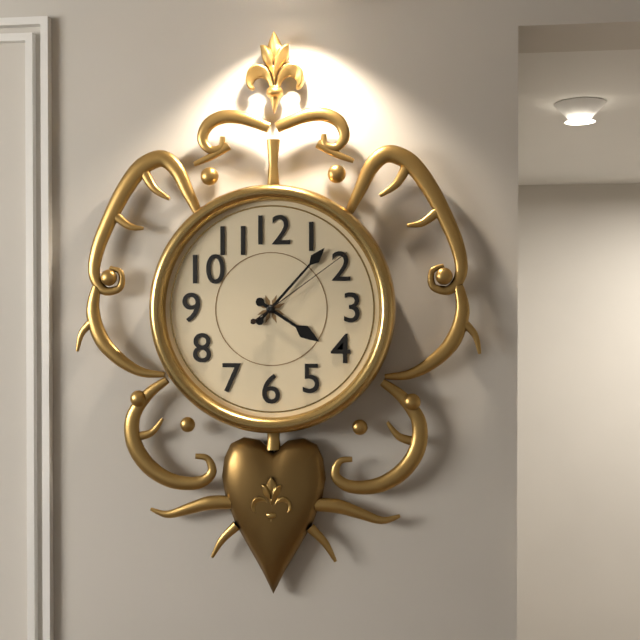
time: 4:07:09
